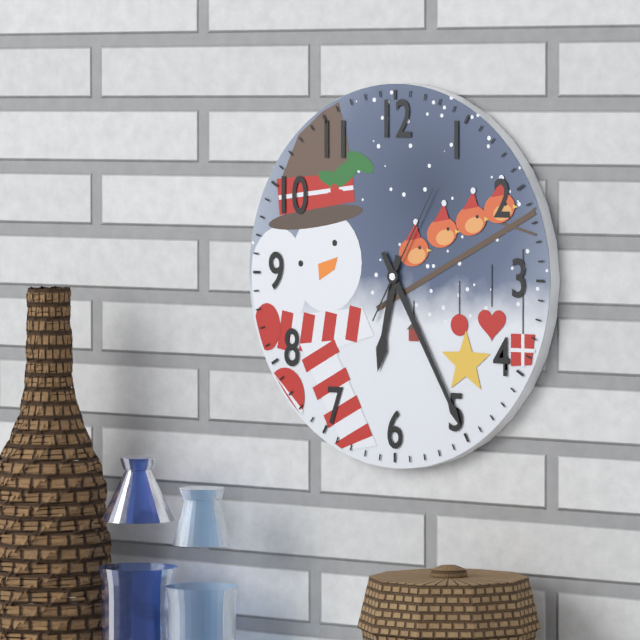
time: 6:25:05
